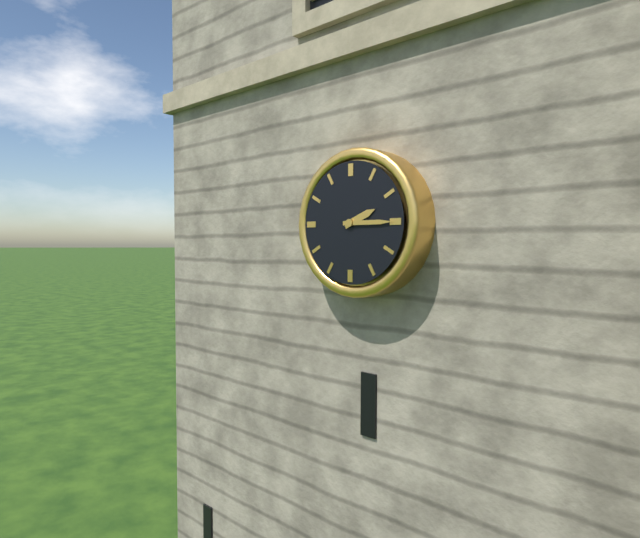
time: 2:15
